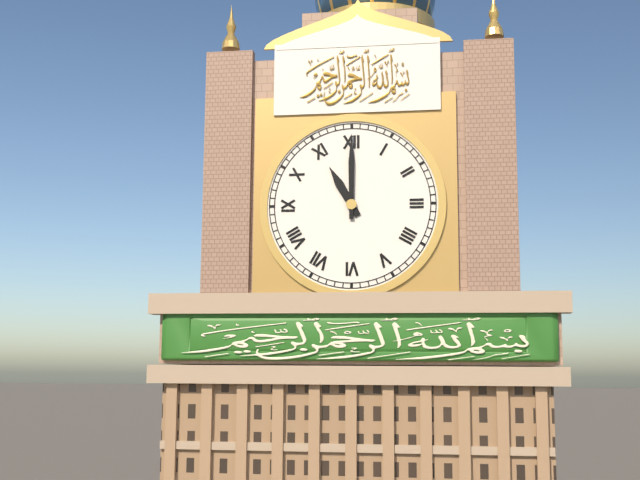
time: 11:00
